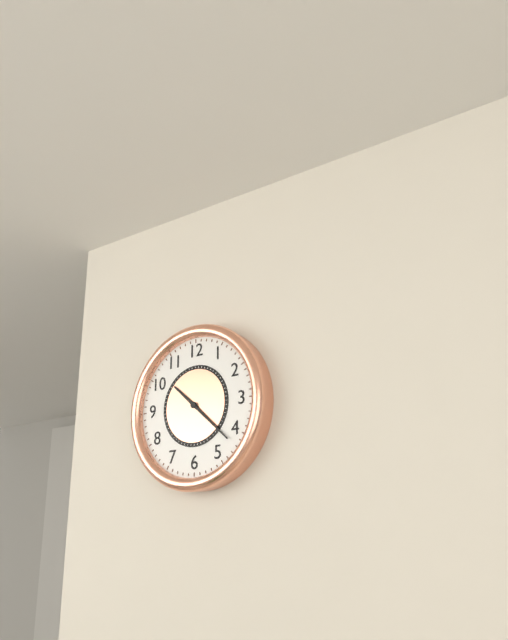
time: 10:22
